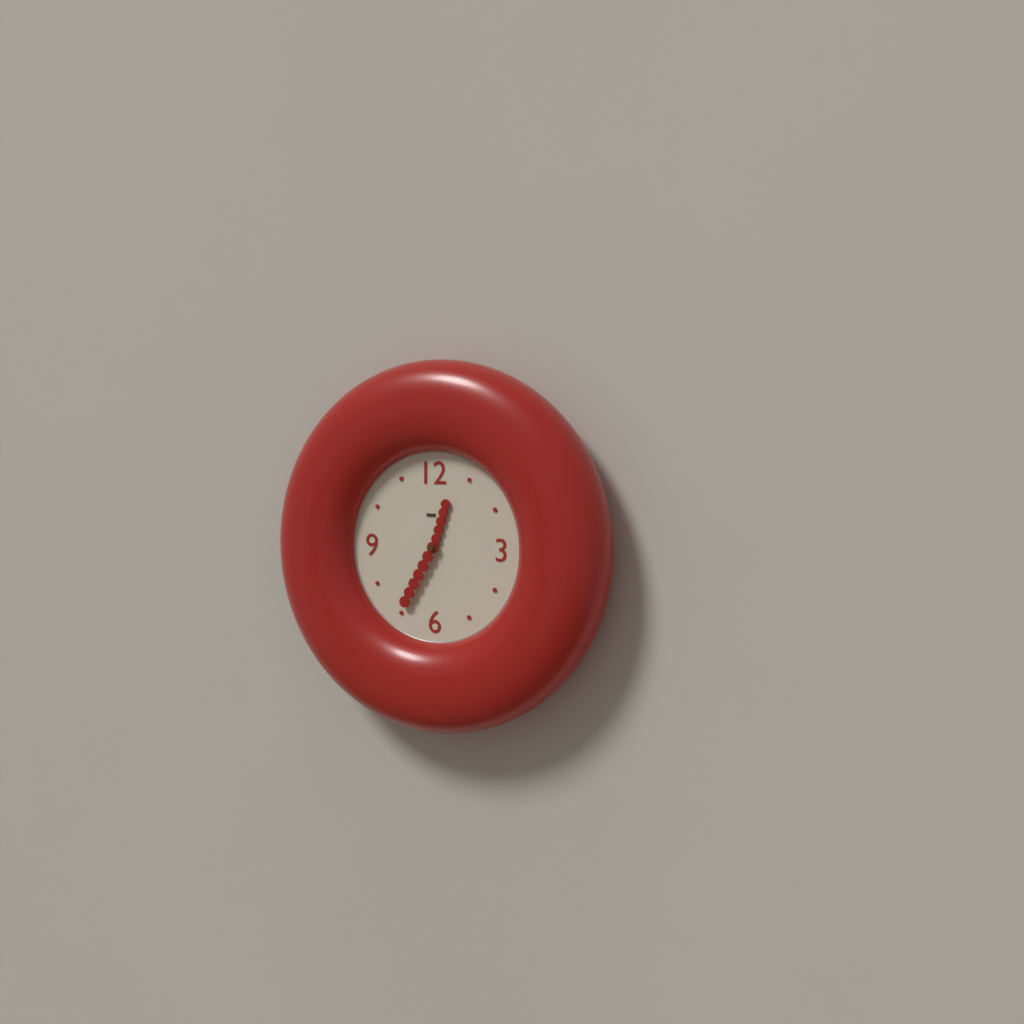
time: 12:35
